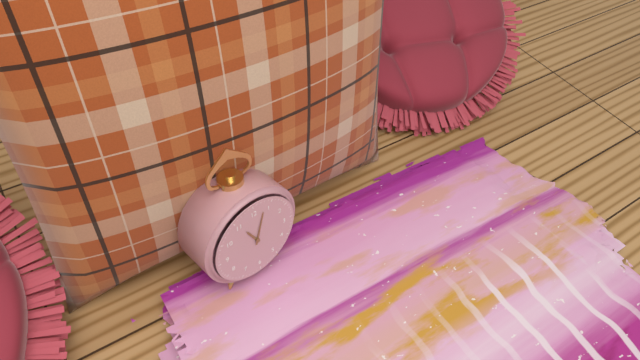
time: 11:03
